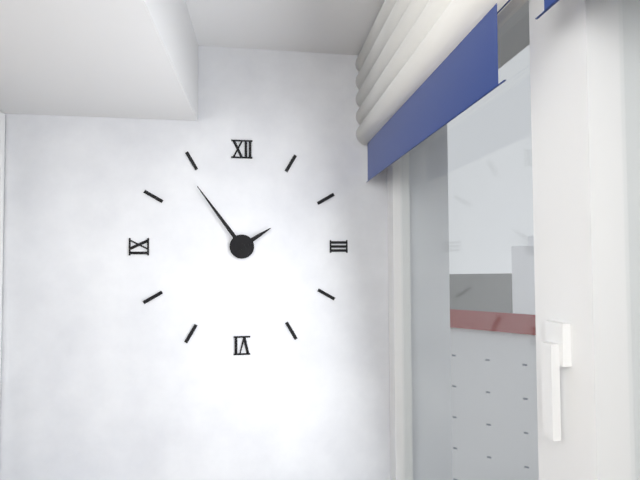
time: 1:54
